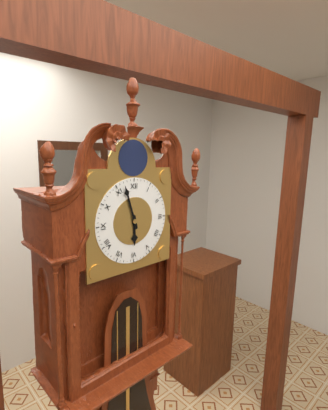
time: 5:57
